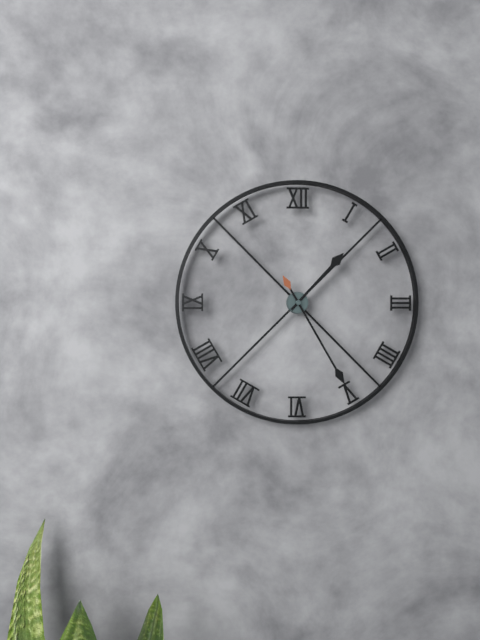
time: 1:25
